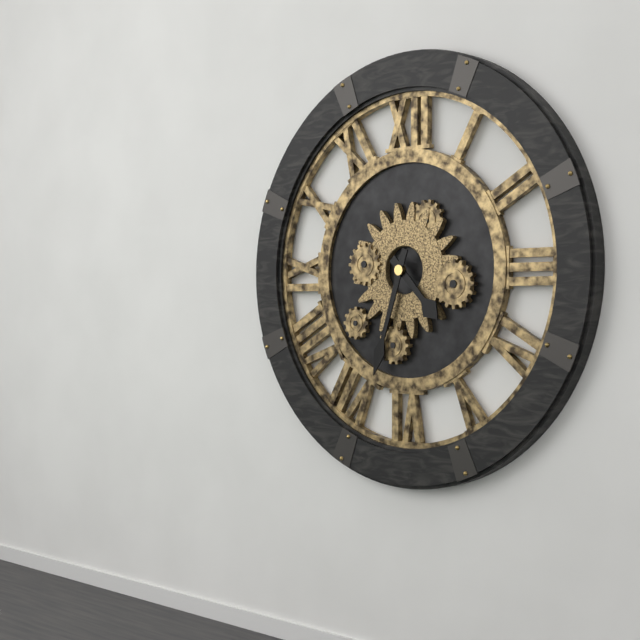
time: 4:33
